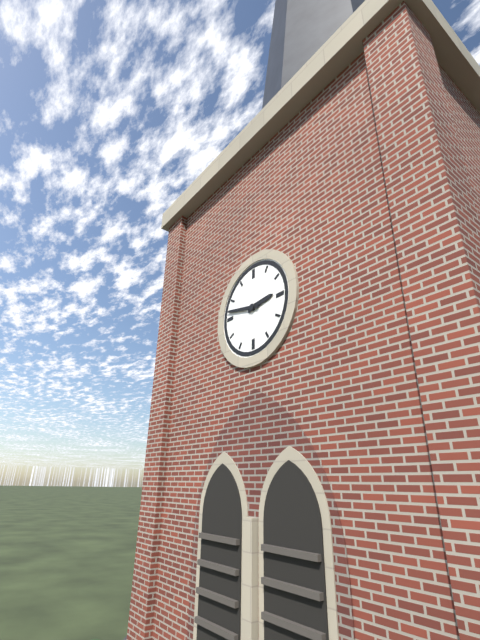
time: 2:47
